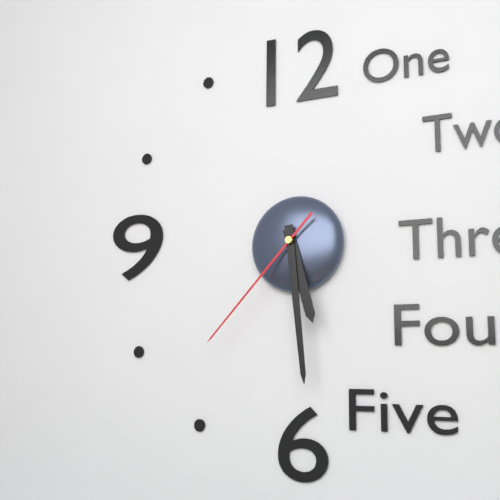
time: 5:29:37
